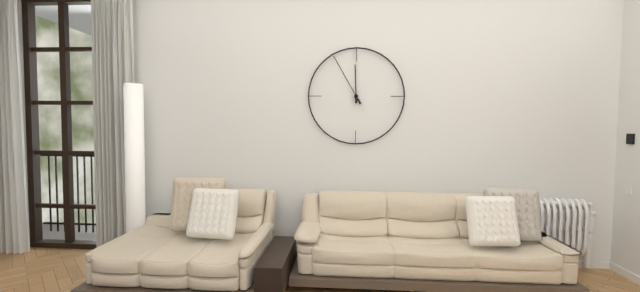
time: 11:55
